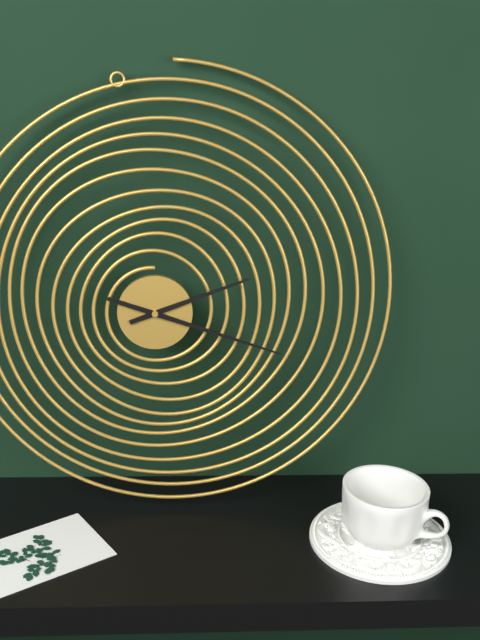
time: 2:18
